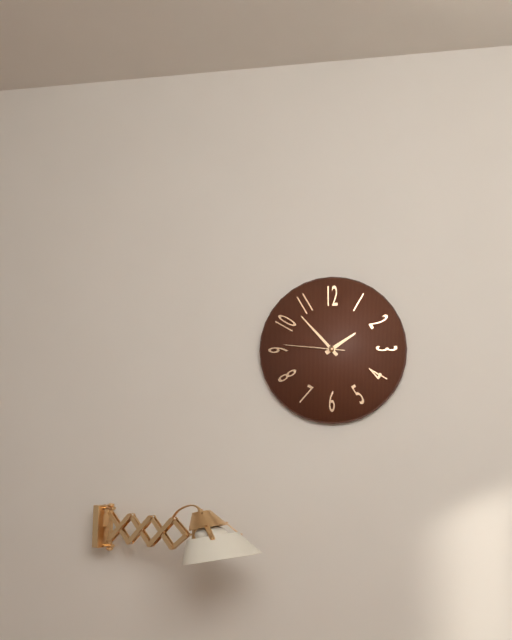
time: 1:53:46
